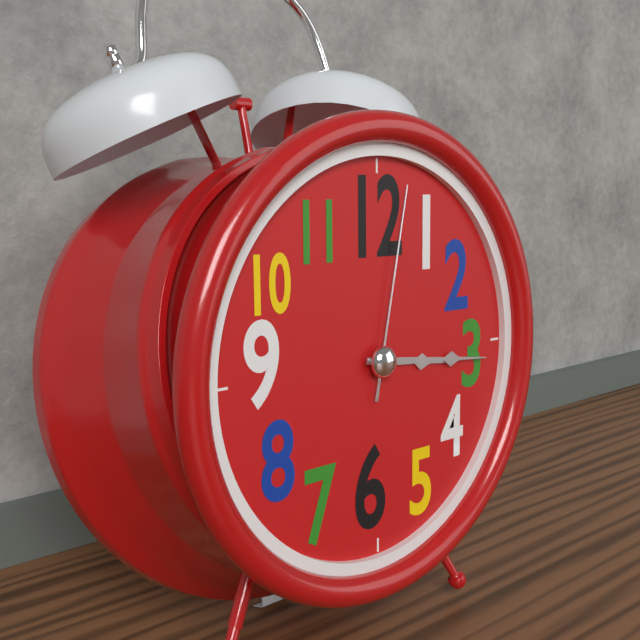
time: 3:16:02
